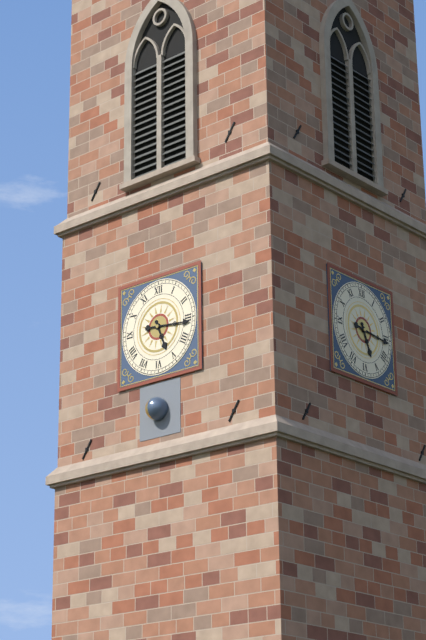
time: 5:16
